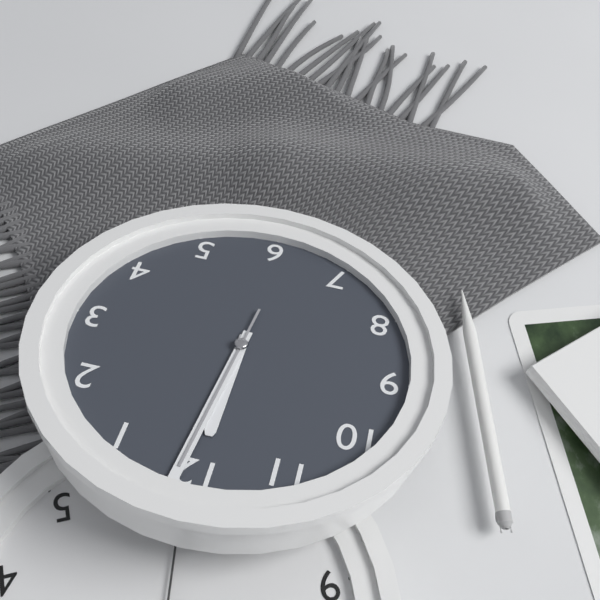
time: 12:01:01
